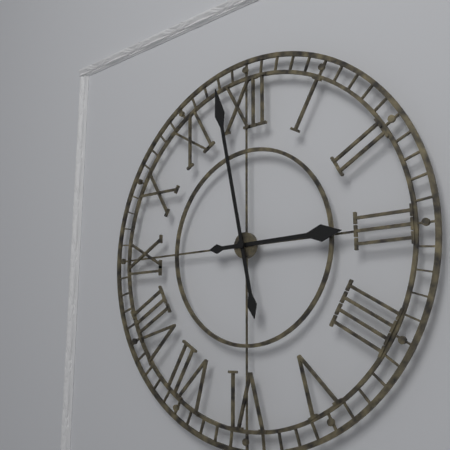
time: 2:58
